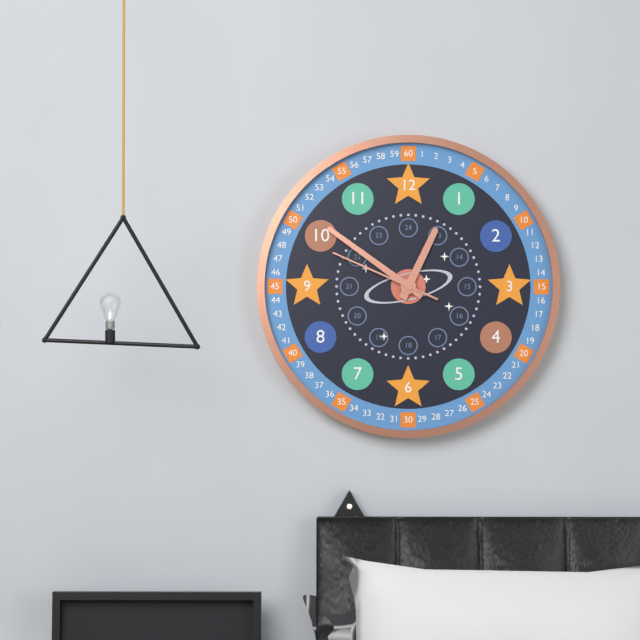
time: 12:51:49
